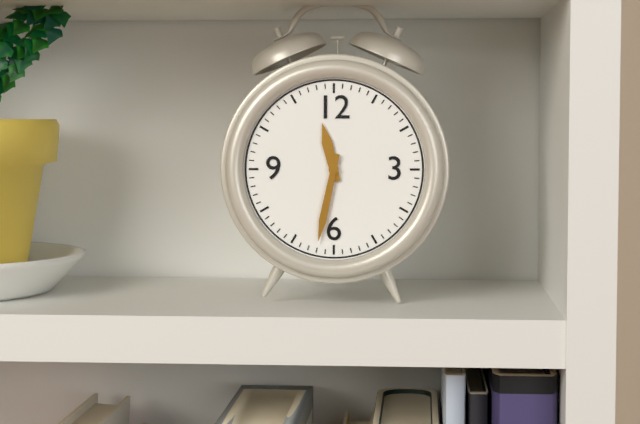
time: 11:32
